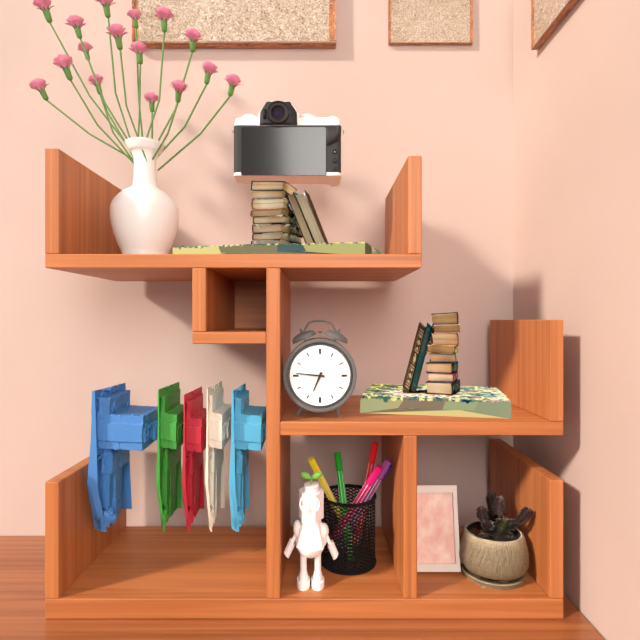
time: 6:46
